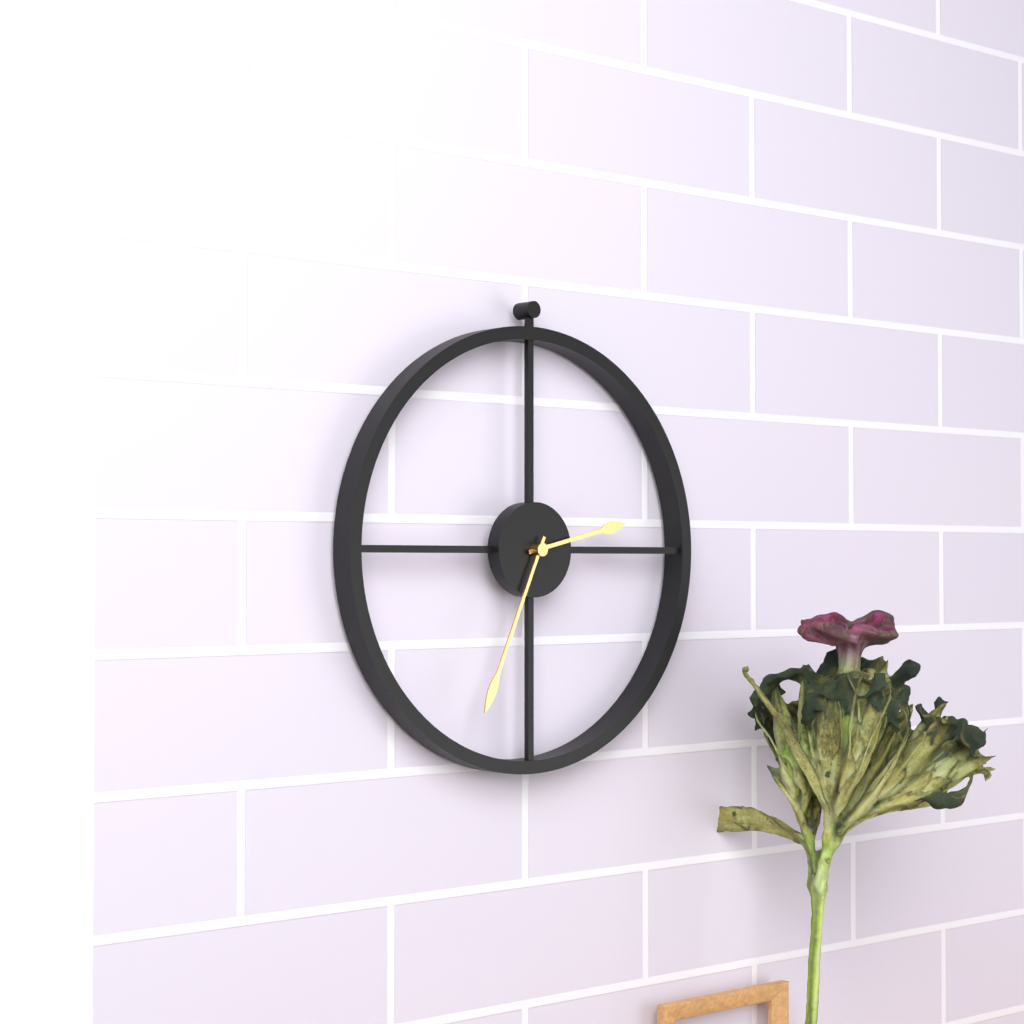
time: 2:34
